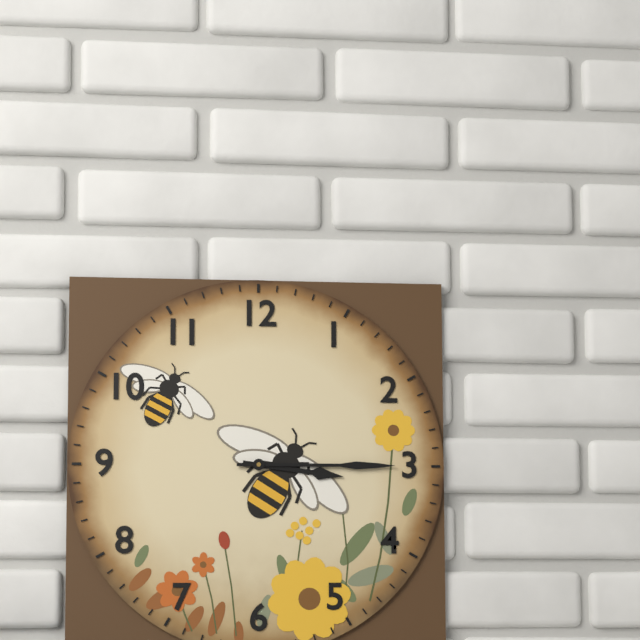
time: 3:15
